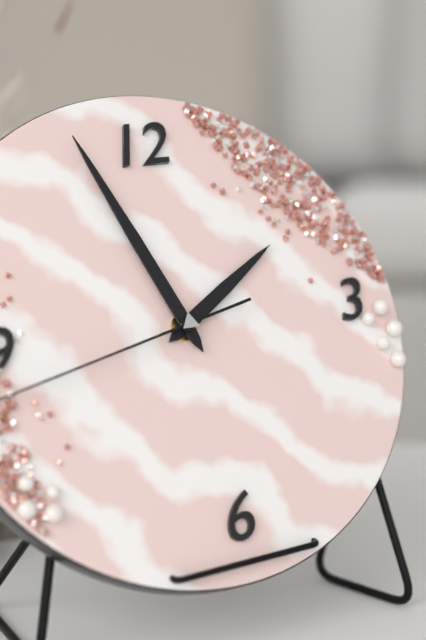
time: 1:57
